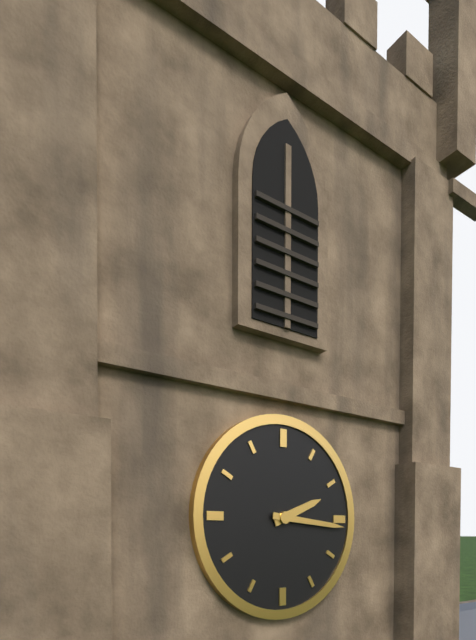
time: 2:16
